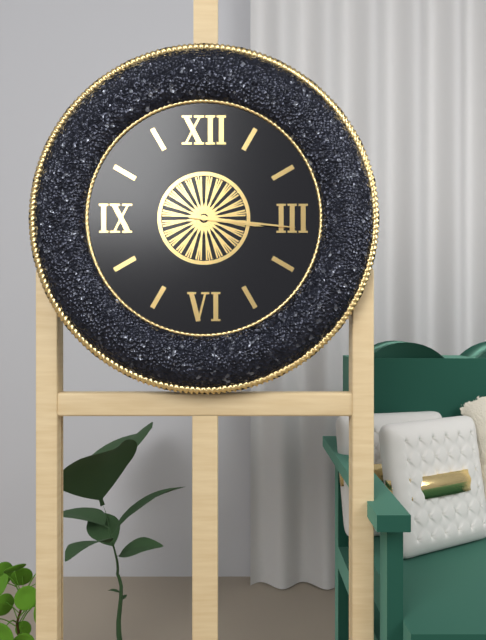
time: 3:16
